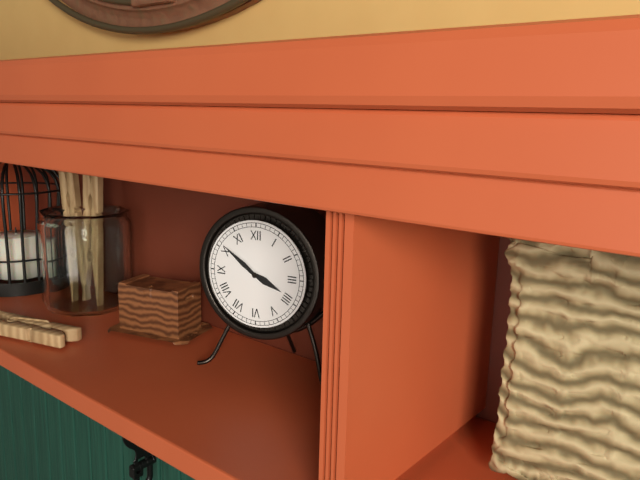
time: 3:51
